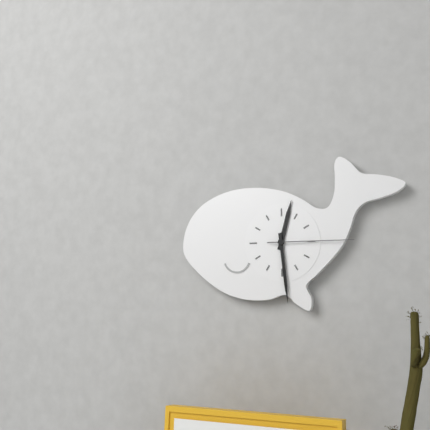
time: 12:29:15
